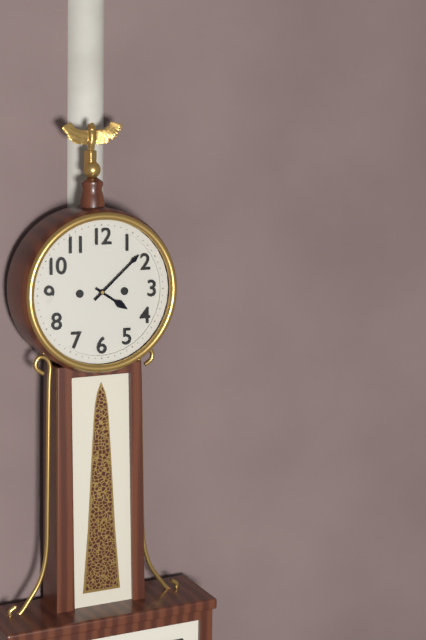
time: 4:08
